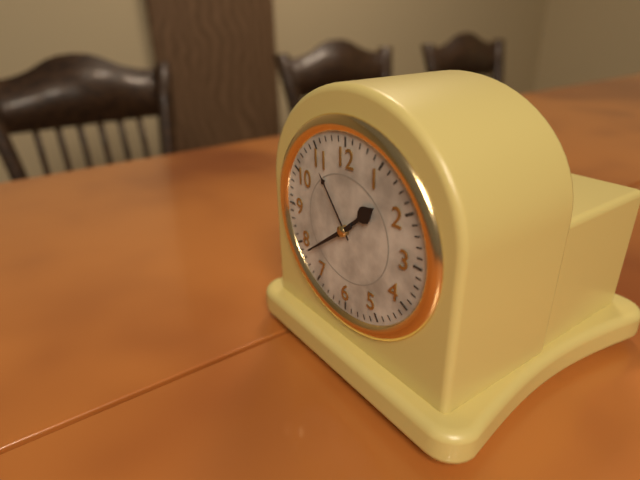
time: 1:39
